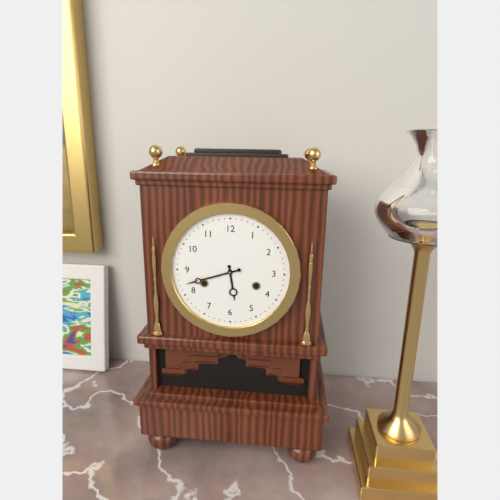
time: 5:42
